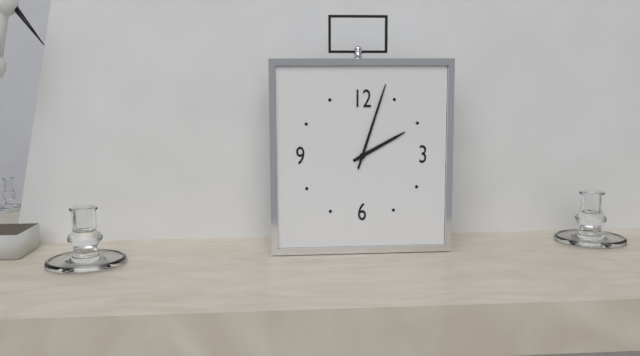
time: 2:03
